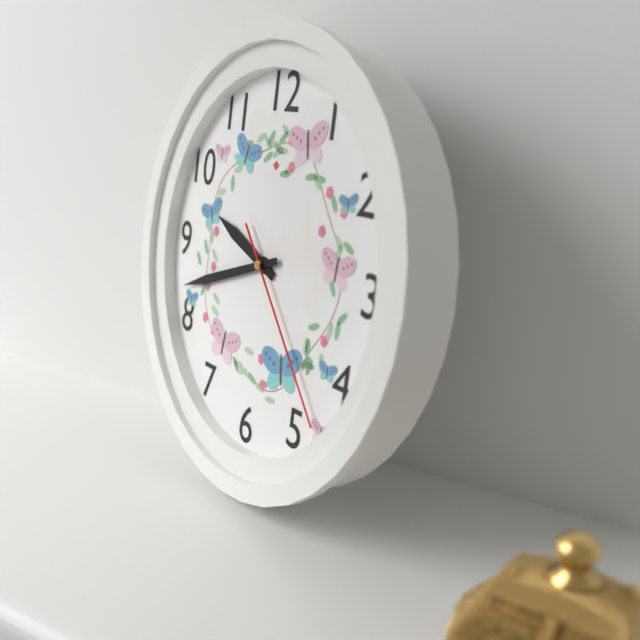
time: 9:42:23
